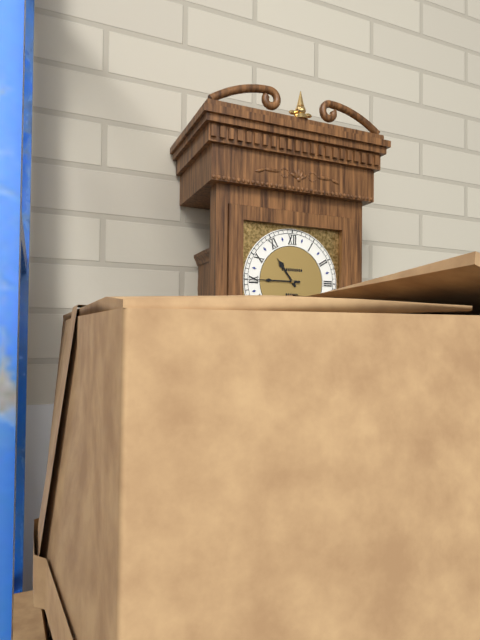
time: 10:45
